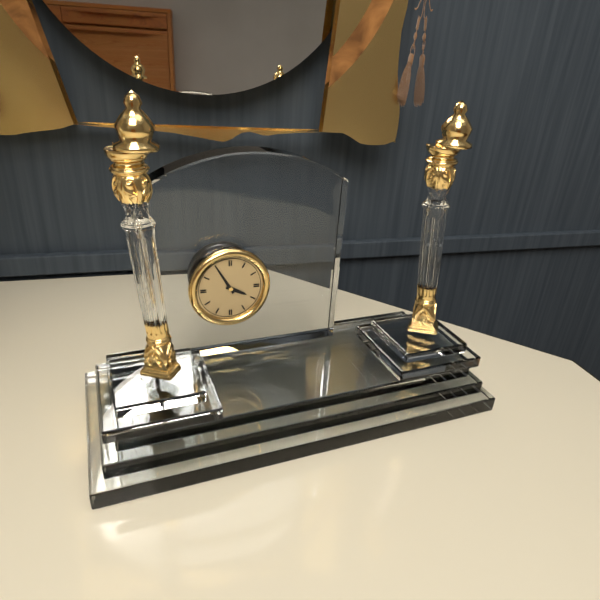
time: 3:55
